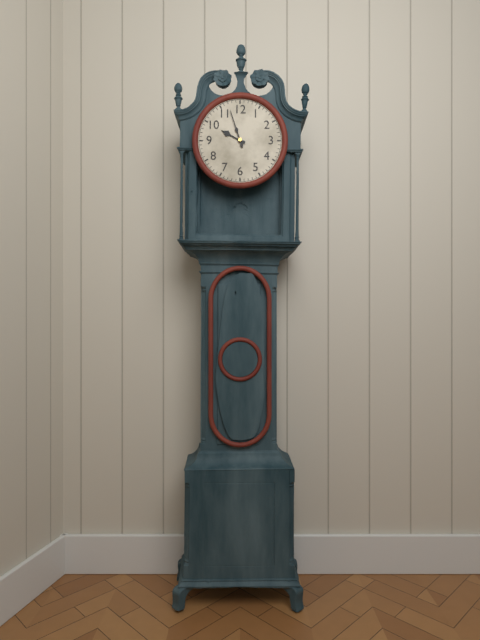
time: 9:57
